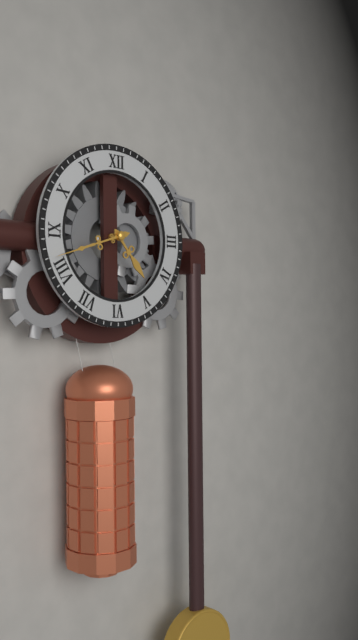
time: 4:42
